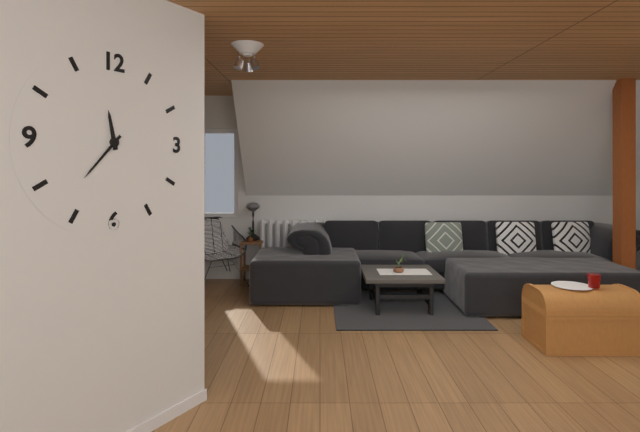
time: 11:37
